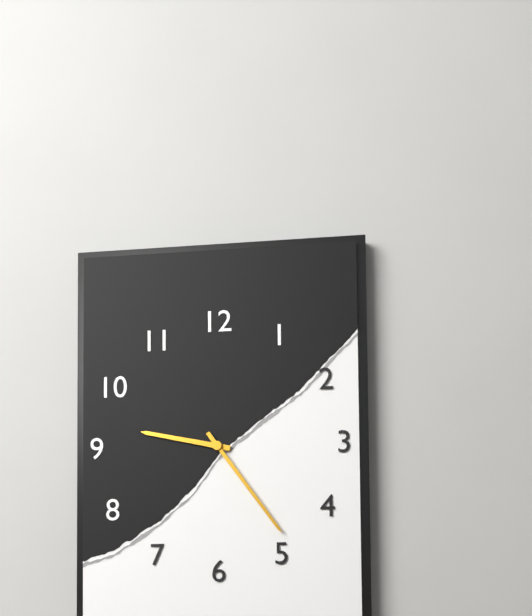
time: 9:24
